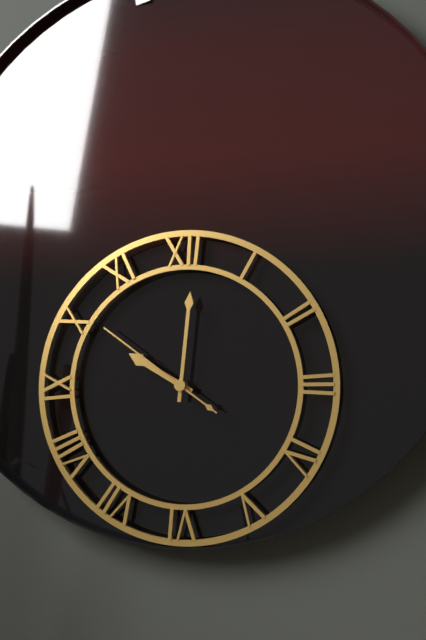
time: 10:01:51
